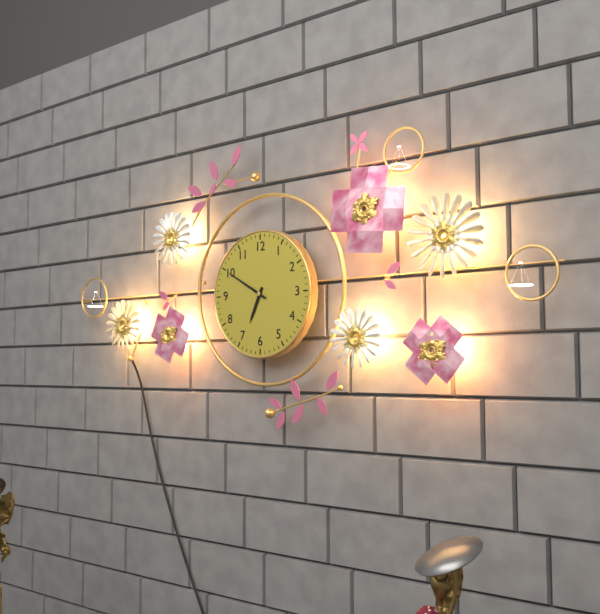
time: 6:50
